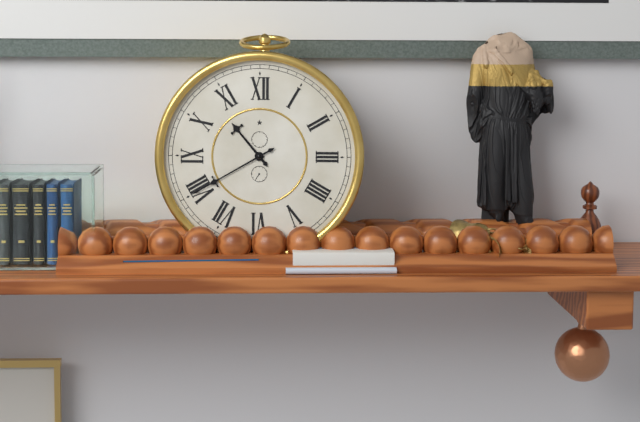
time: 10:40
